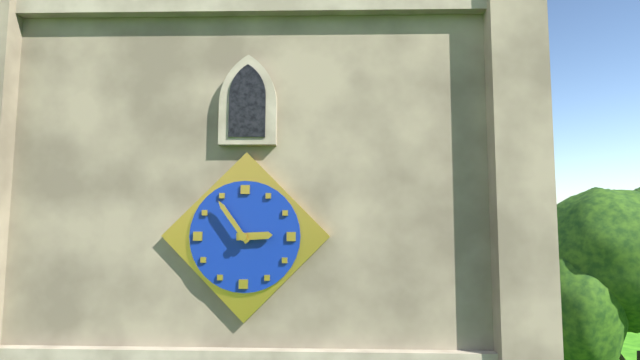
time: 2:54
